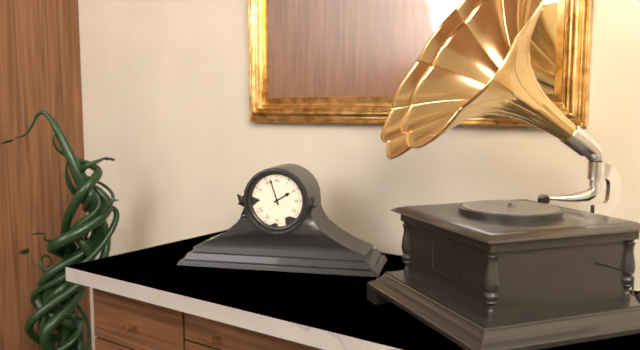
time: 1:57
